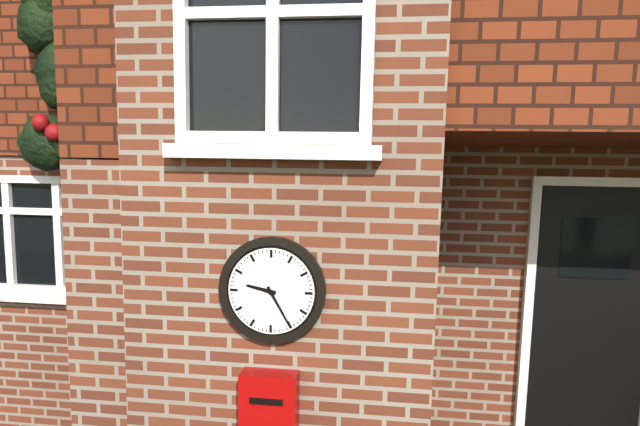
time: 9:25
